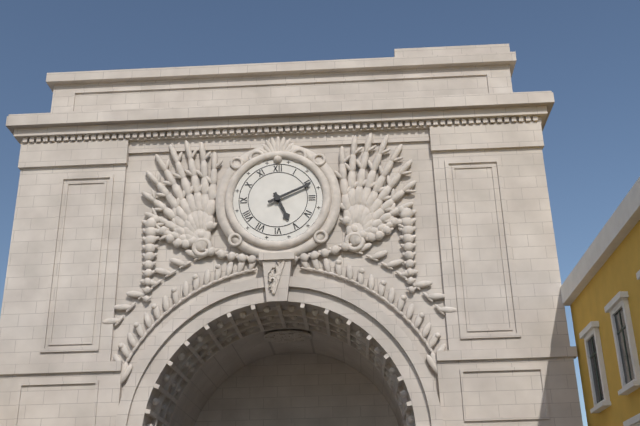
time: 5:11
